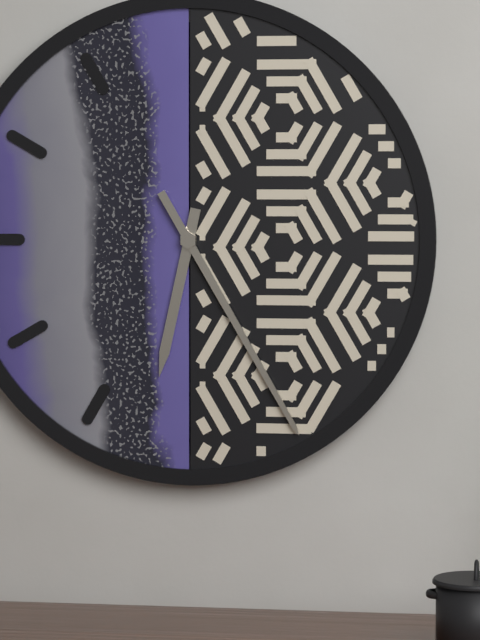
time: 6:25
